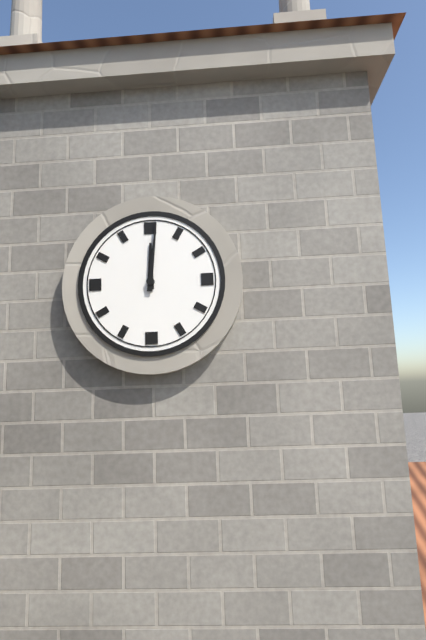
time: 12:01
